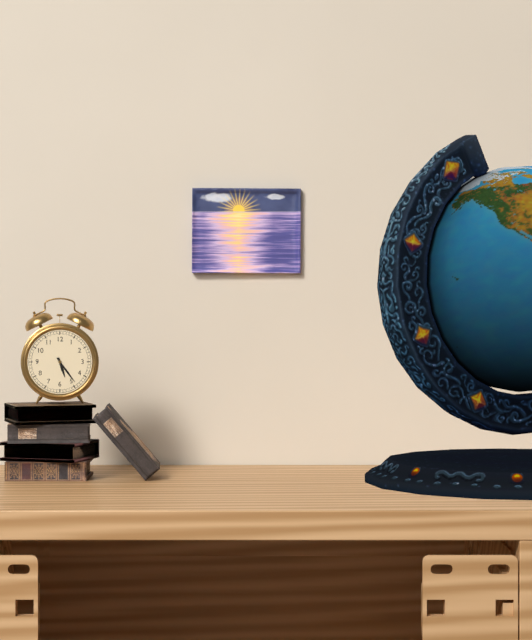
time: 5:24
